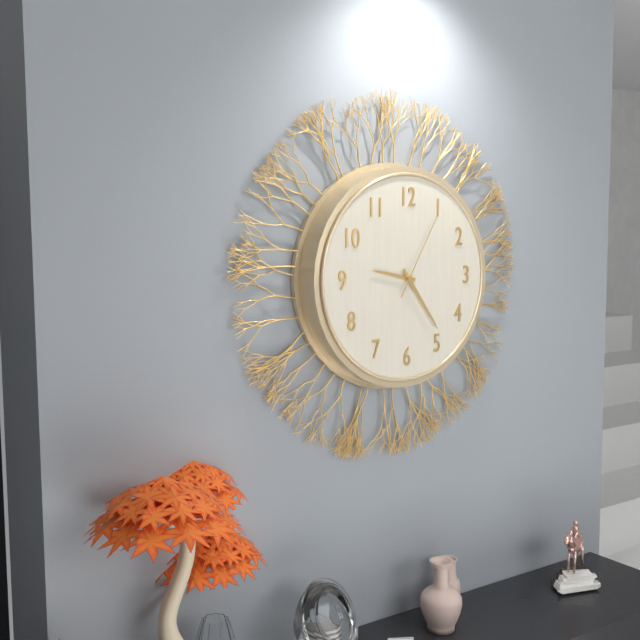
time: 9:24:05
